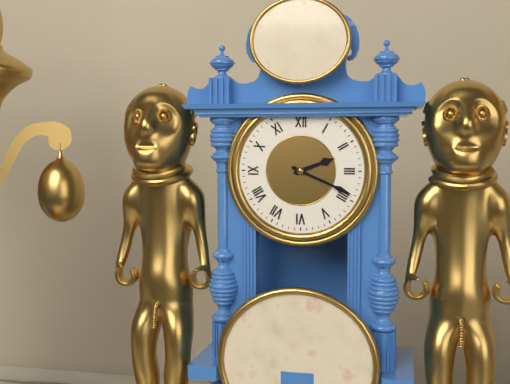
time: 2:19
